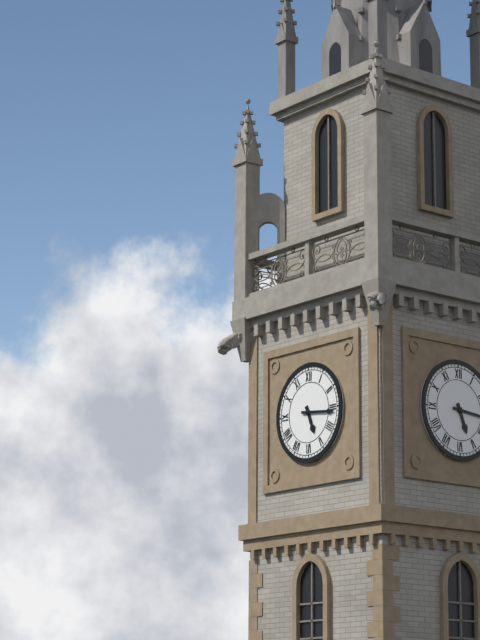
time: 5:16
